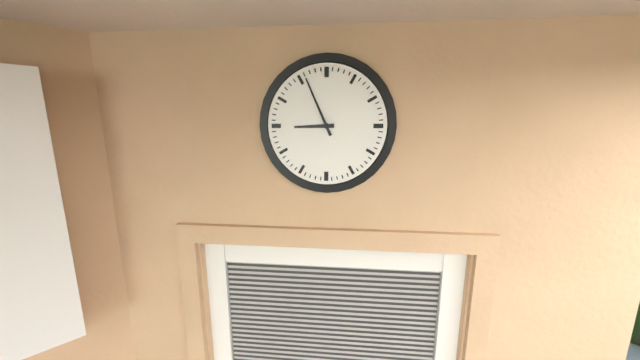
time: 8:56
